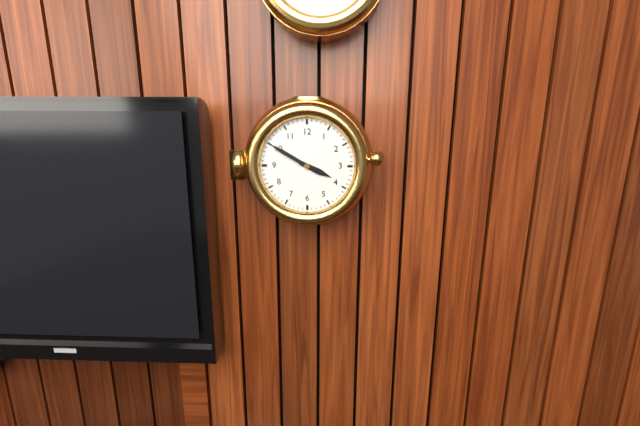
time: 3:50
